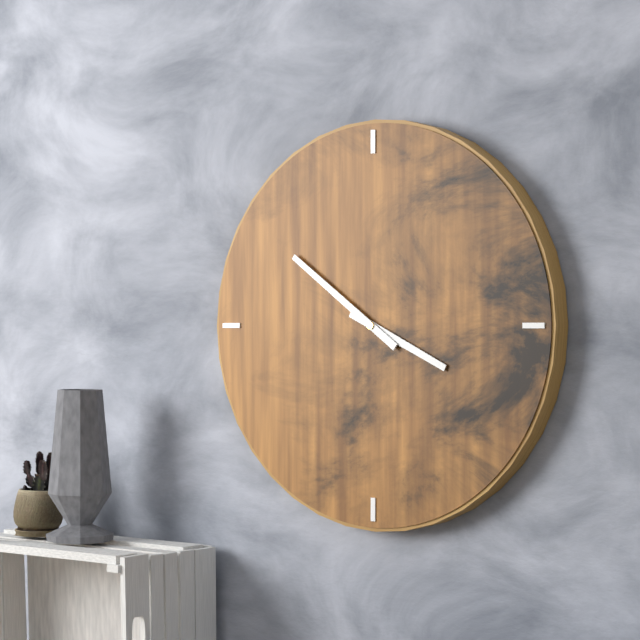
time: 3:51
